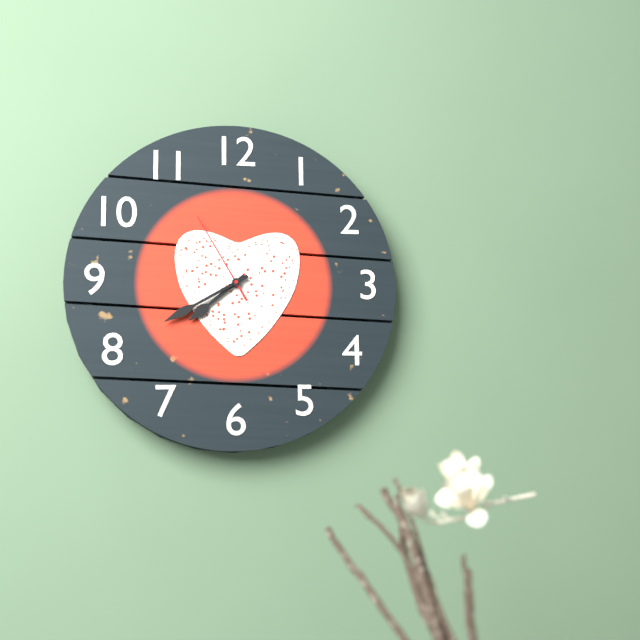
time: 7:40:55
